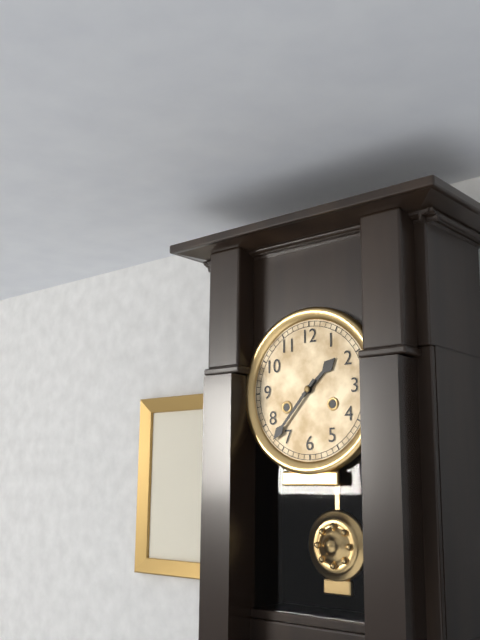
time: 1:37
